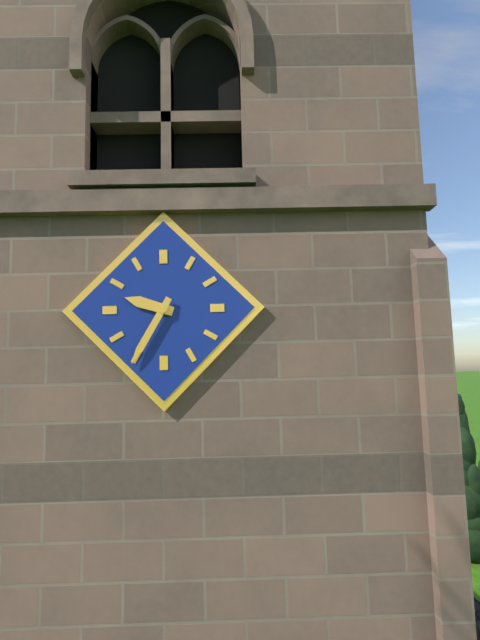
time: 9:35
